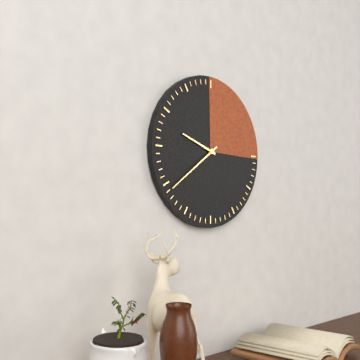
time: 9:39
